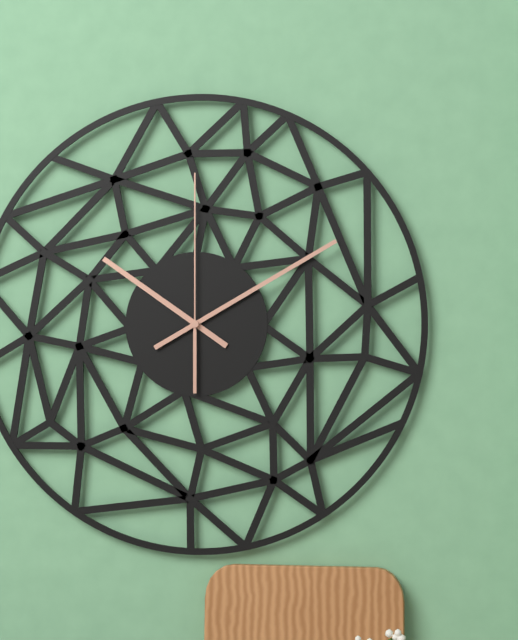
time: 10:10:00
